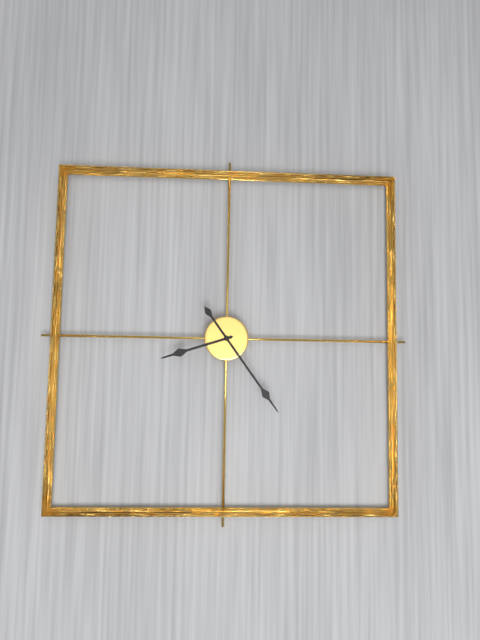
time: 8:24
